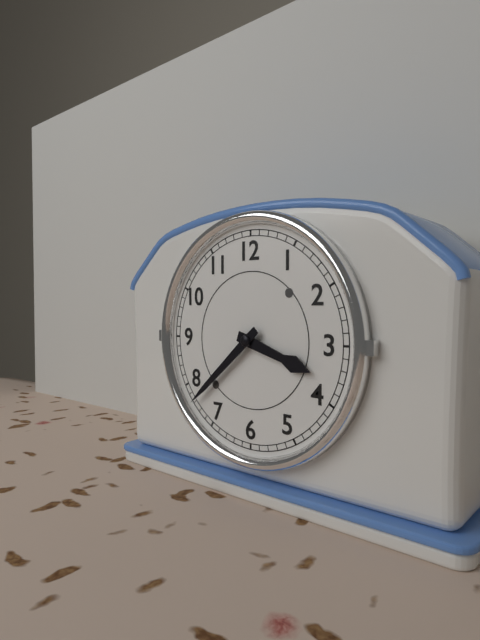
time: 3:38
